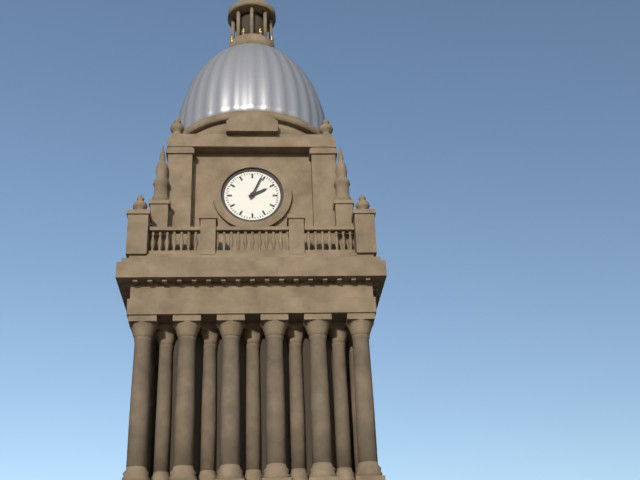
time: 2:04
